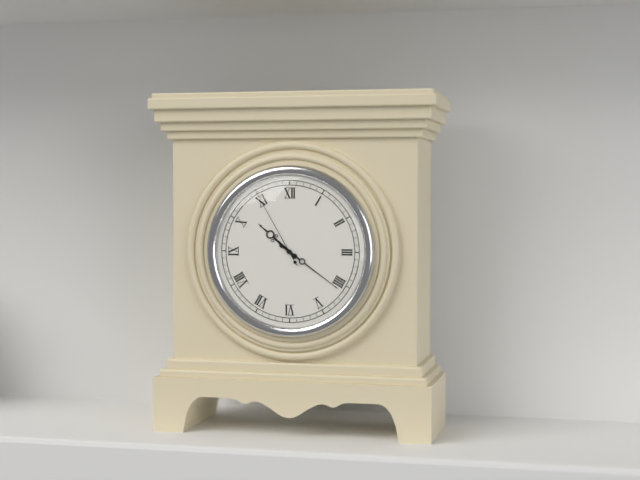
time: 10:21:55
